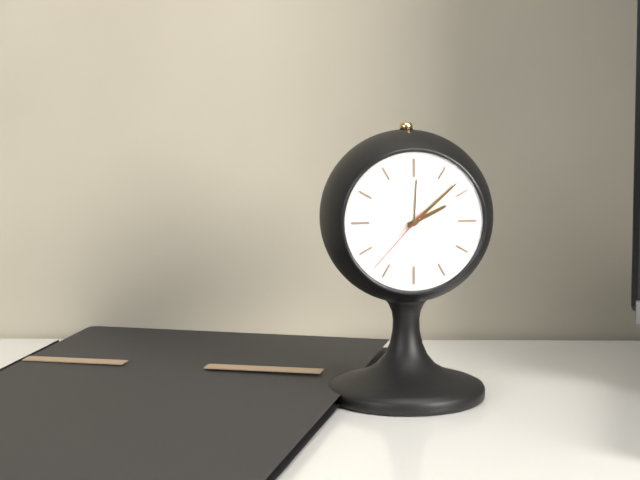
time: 2:08:37
